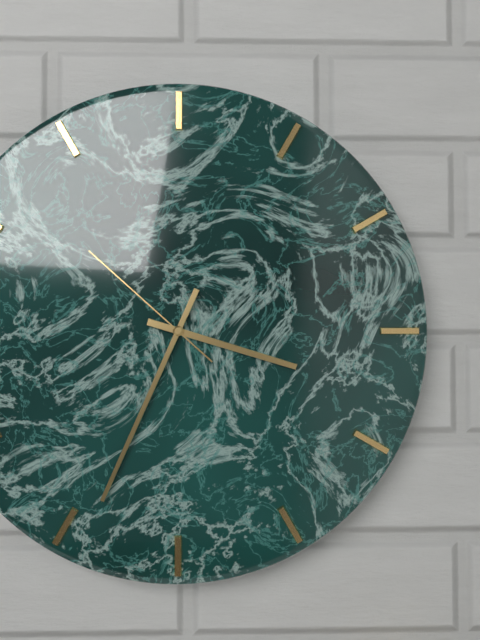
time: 3:34:52
